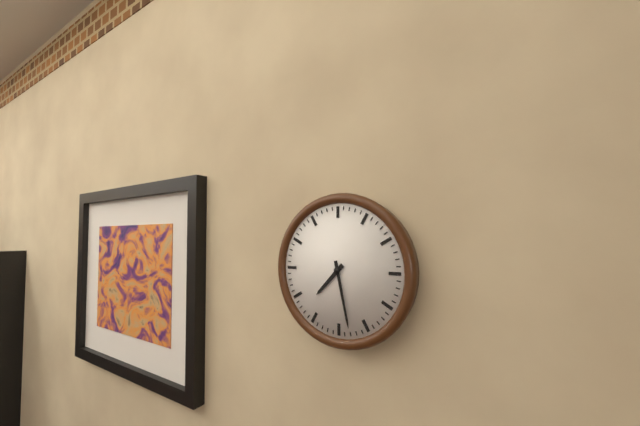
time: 7:28
